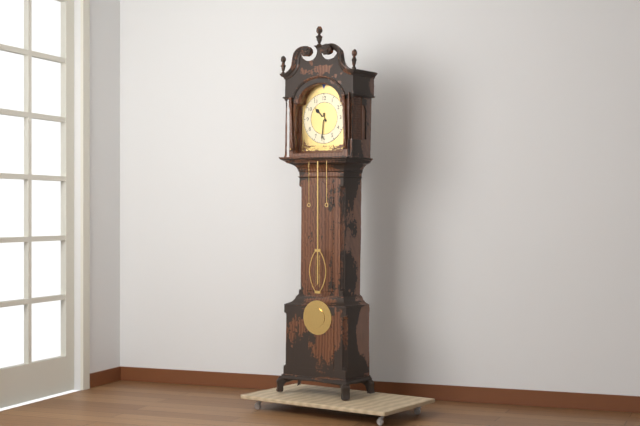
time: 10:31
